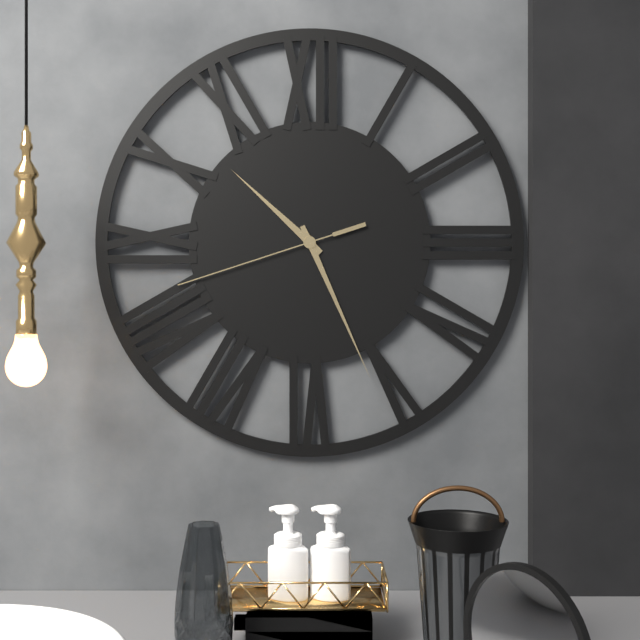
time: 10:26:42
